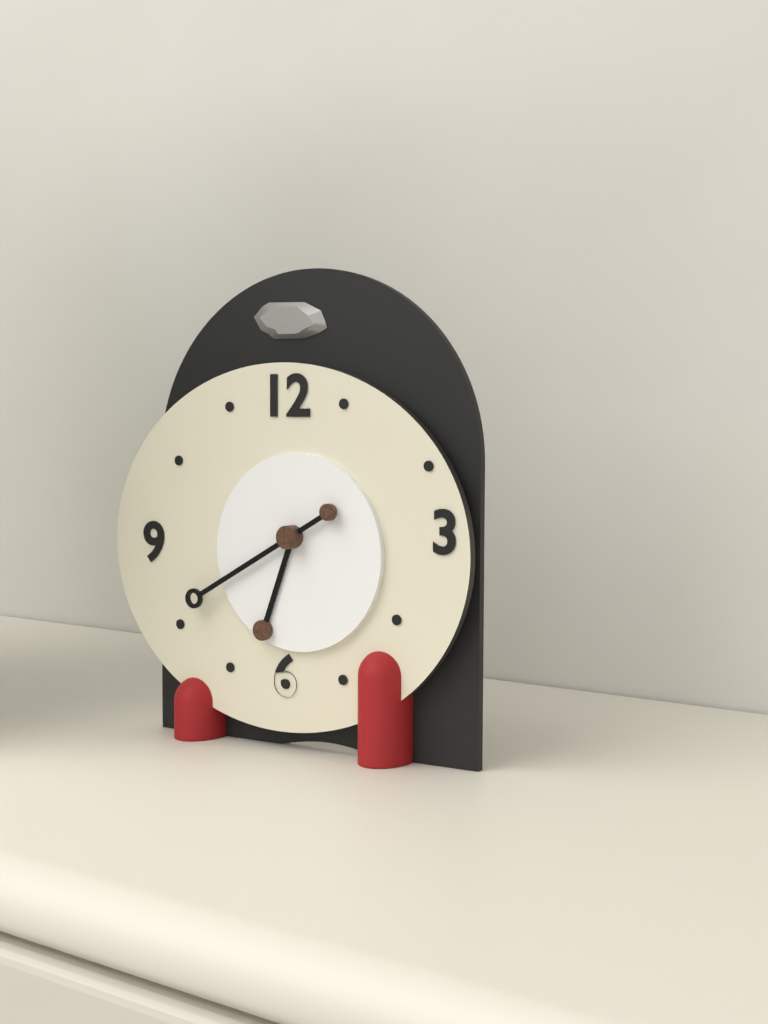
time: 6:40
